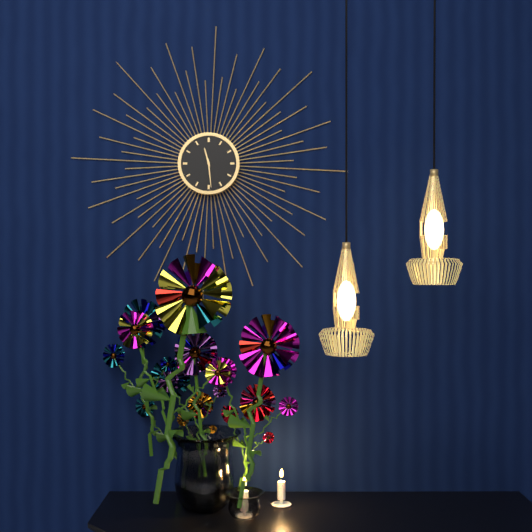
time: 11:29
